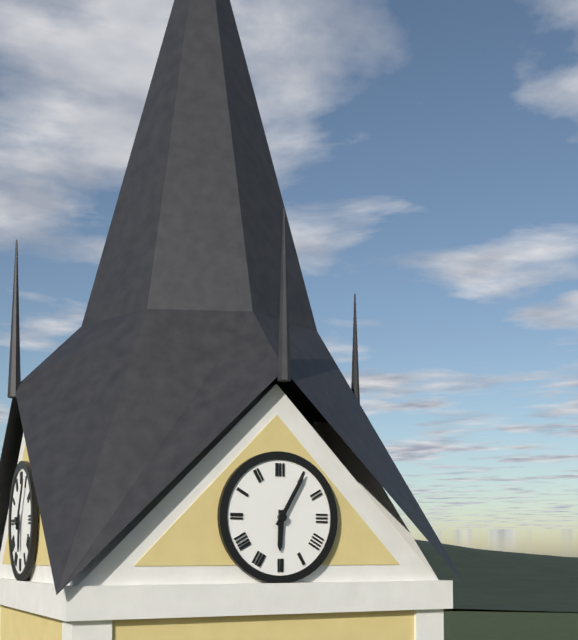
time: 6:05
